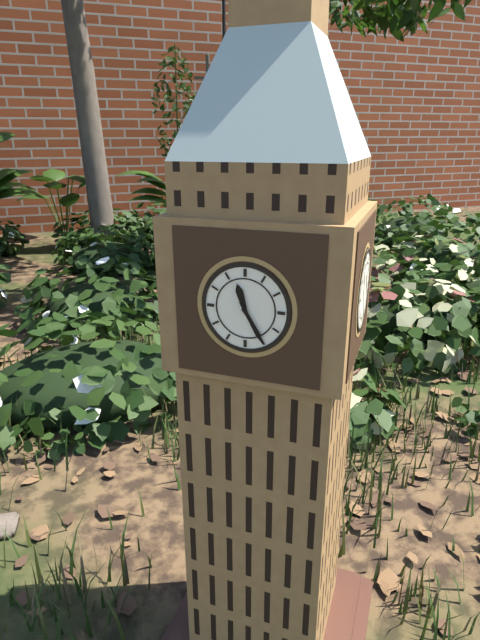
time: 11:25
